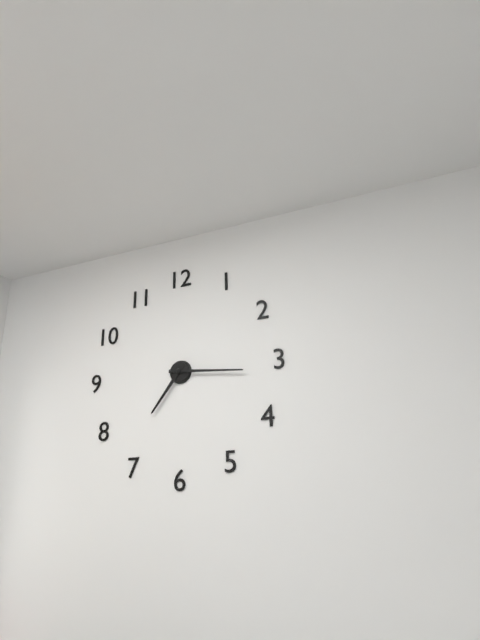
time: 7:16
